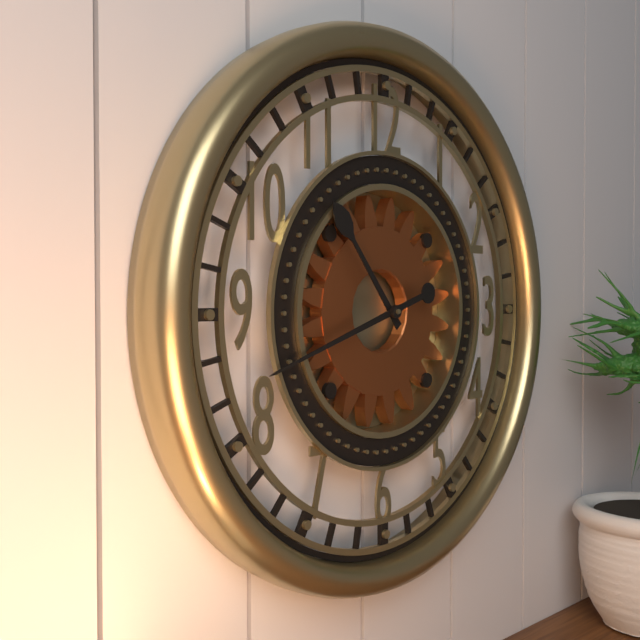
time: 10:42
